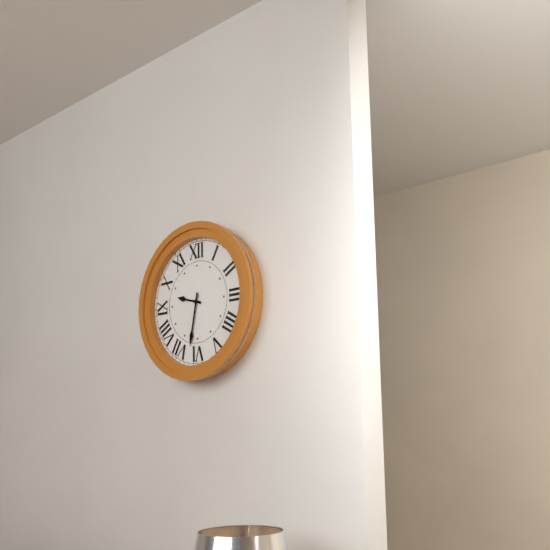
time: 9:32
